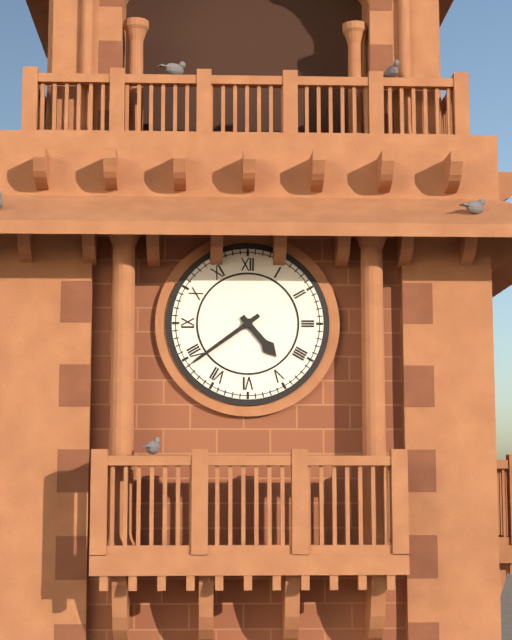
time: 4:39
